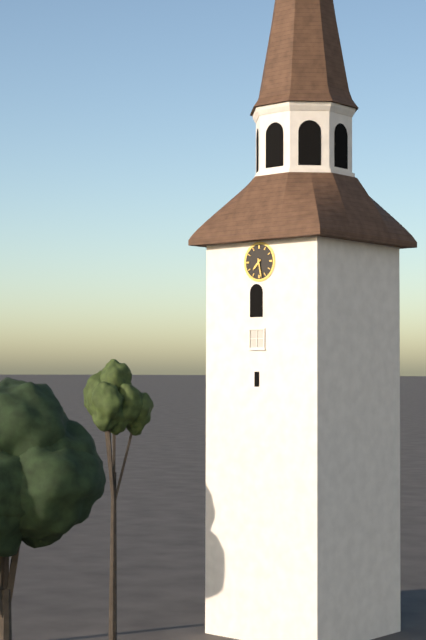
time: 7:28
